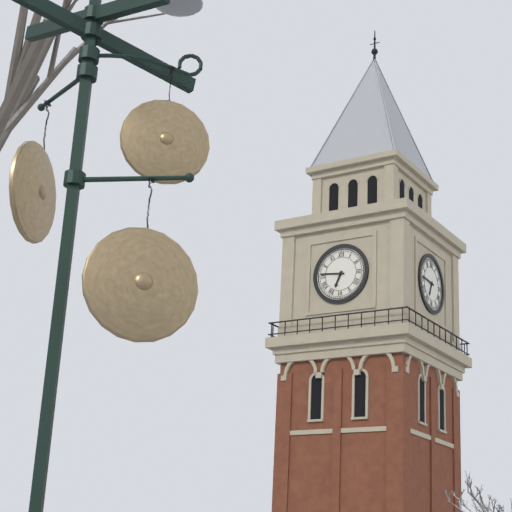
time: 6:46
